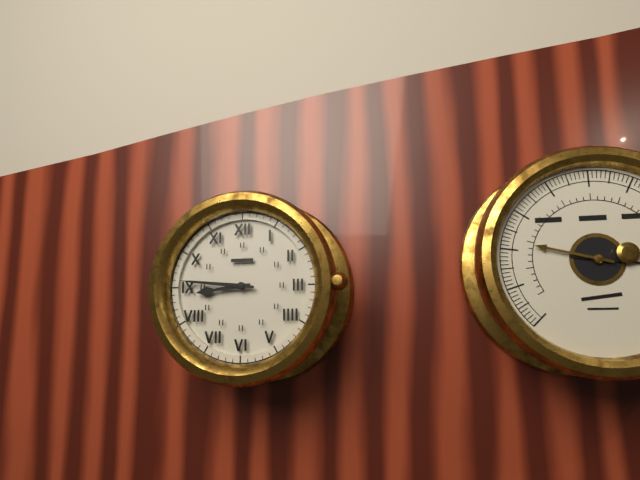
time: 8:46
